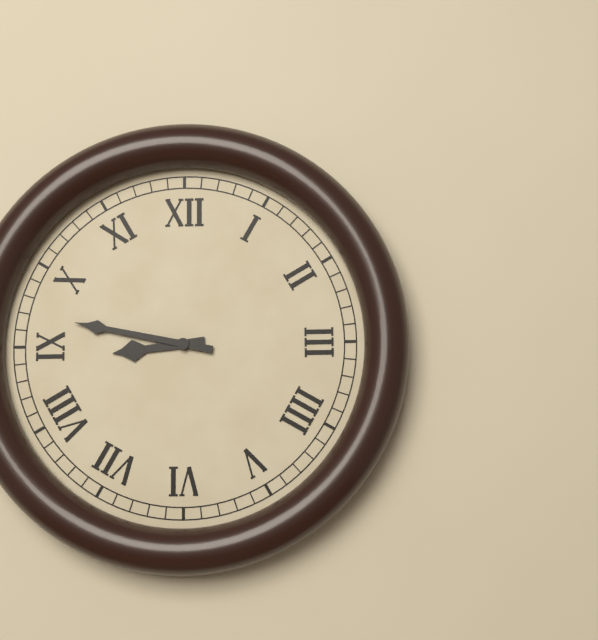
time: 8:47
